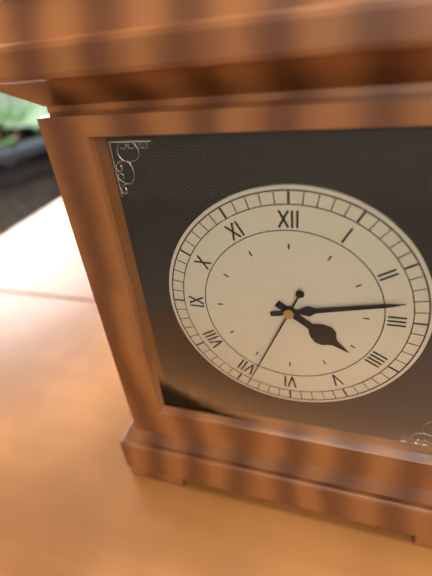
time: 4:13:34
